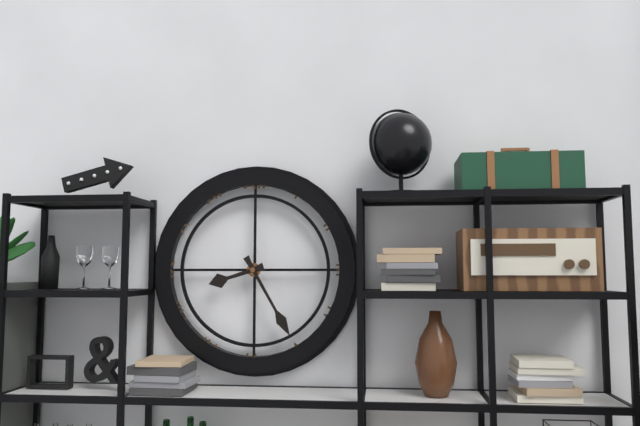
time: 8:25
